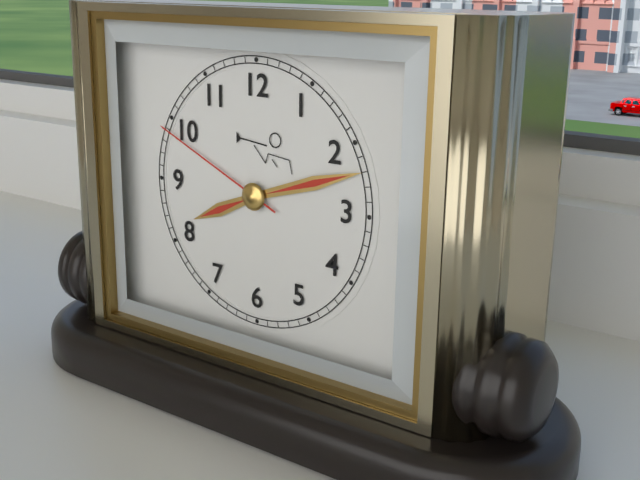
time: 8:12:49
